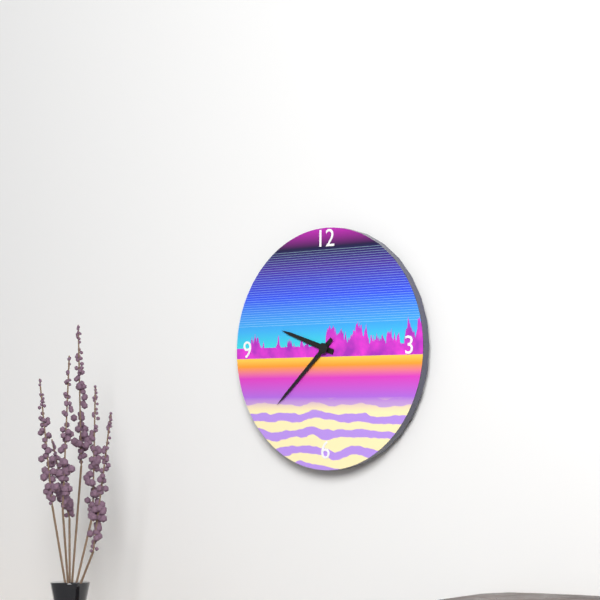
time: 9:38
